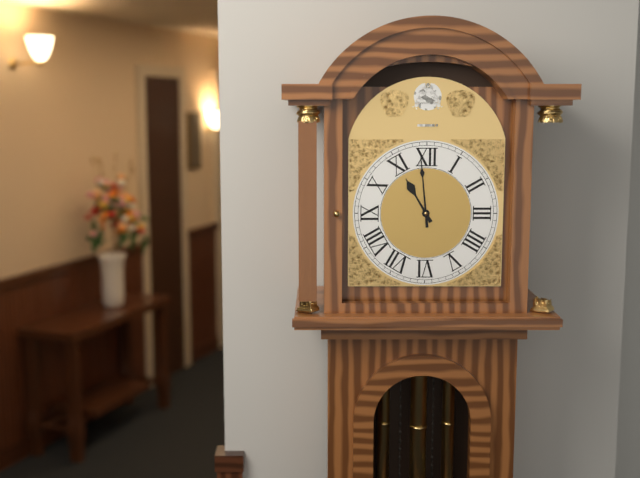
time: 10:59
